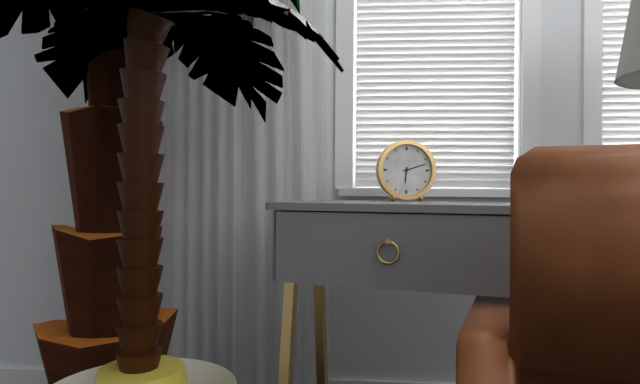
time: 6:12
